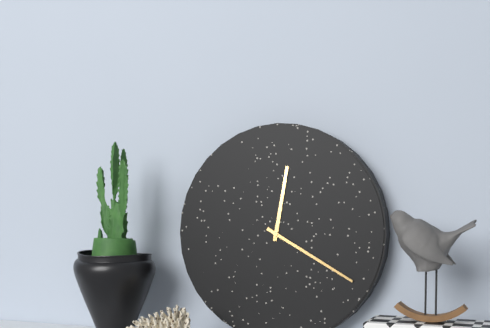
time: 12:20
